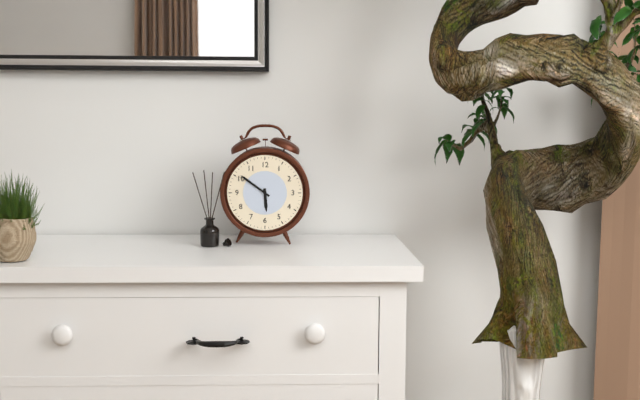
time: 5:51
